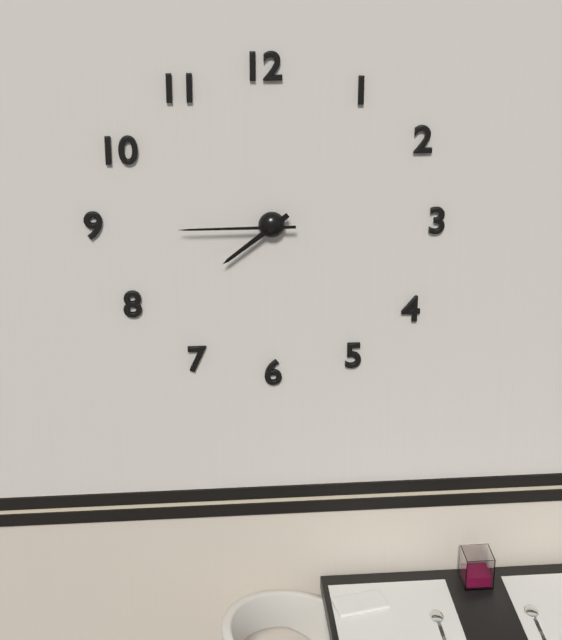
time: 7:45
